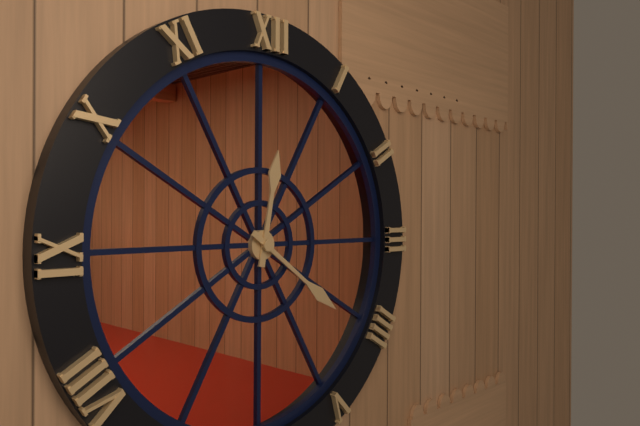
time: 12:21
